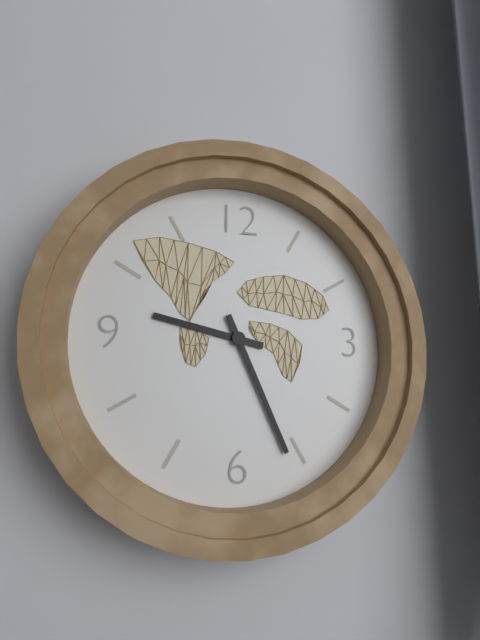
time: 9:26
